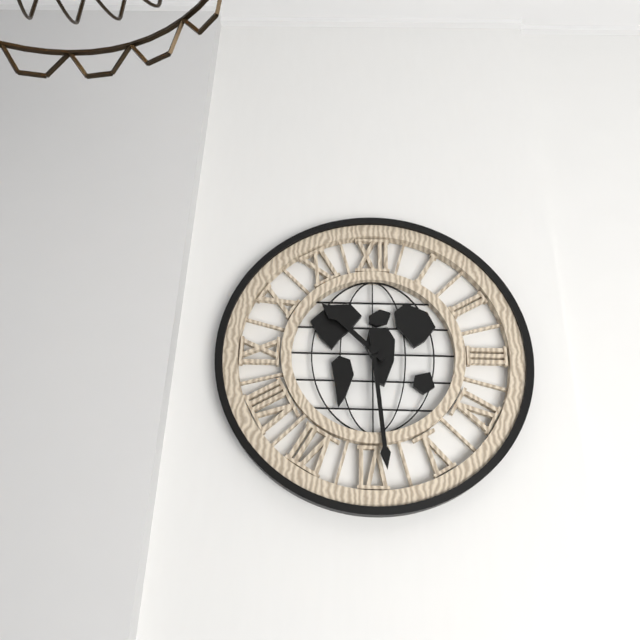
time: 10:29
